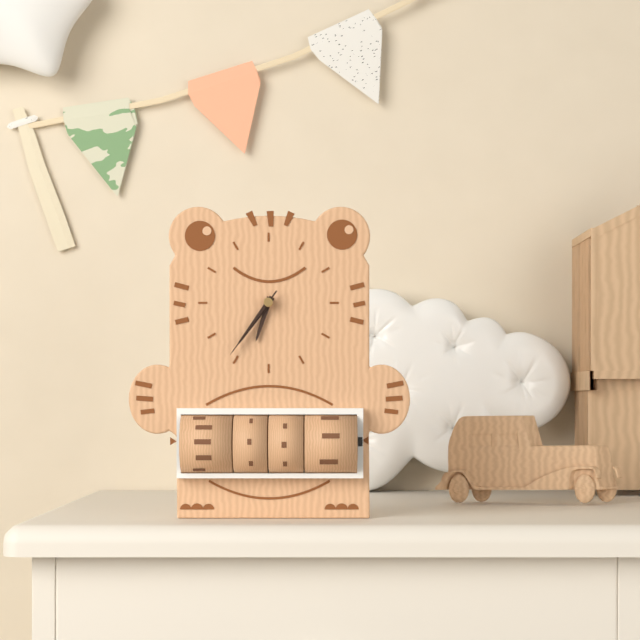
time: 6:36:36
